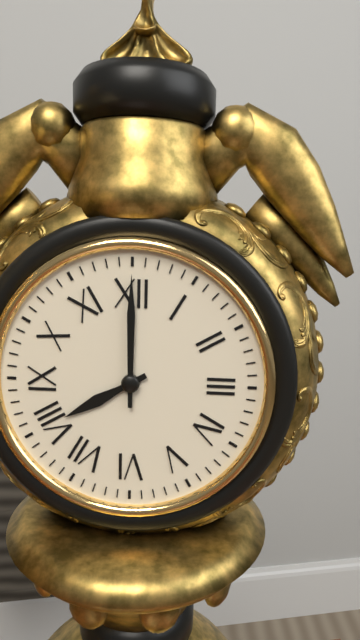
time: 8:00
